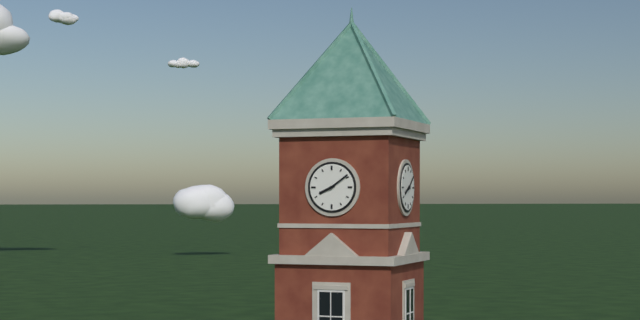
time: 8:09
